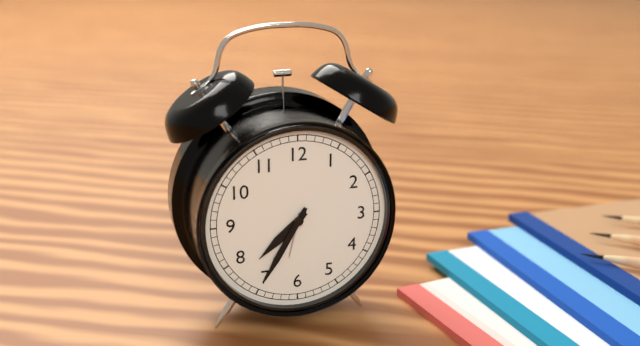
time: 7:35
